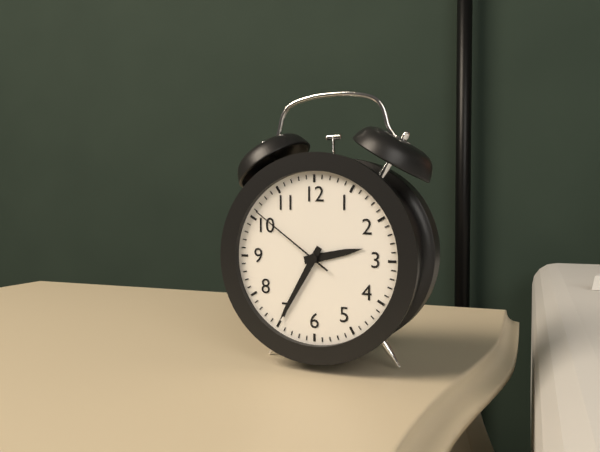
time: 2:35:51
